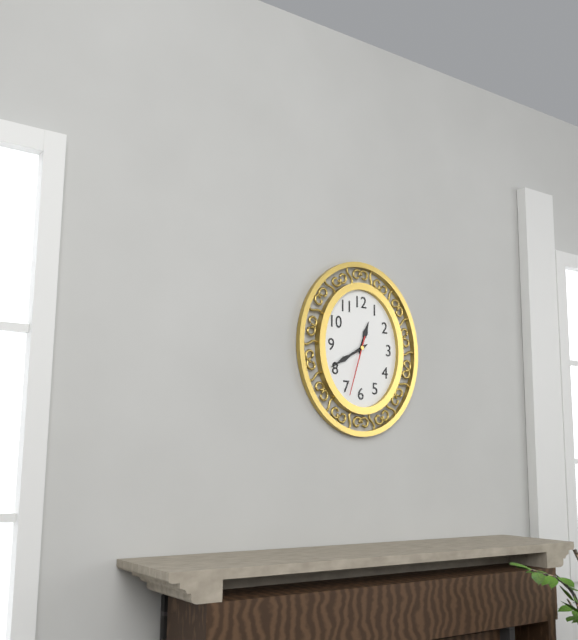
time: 12:40:33
